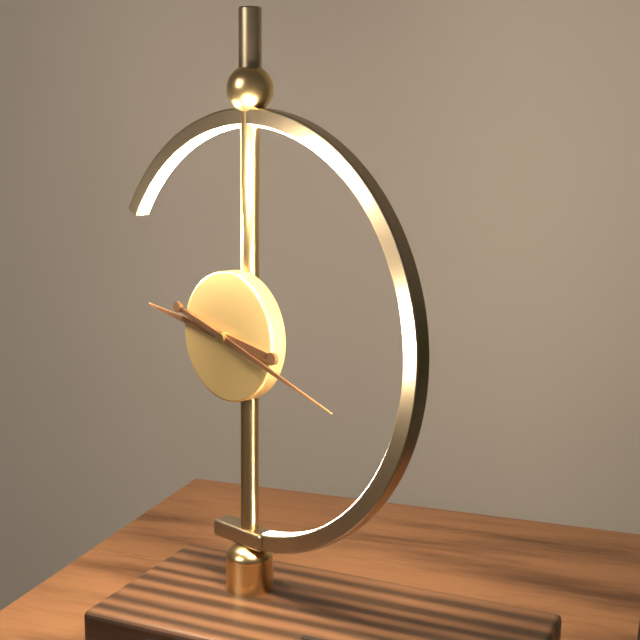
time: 9:18
